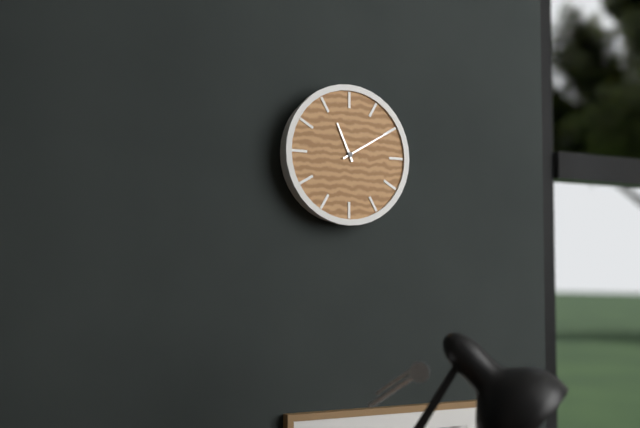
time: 11:10
